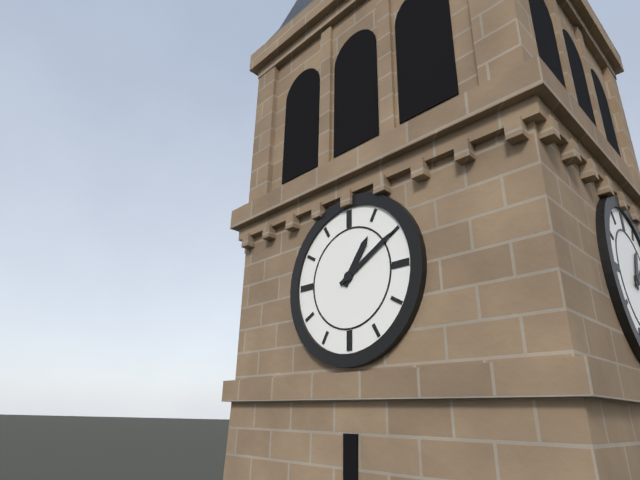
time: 1:10
